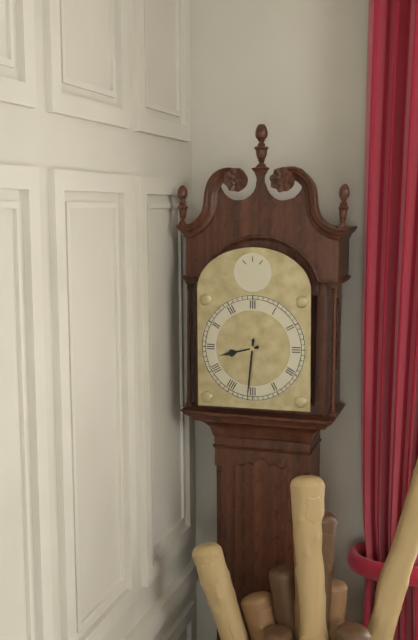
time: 8:31
